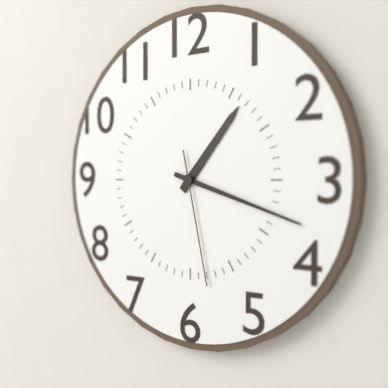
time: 1:18:28
